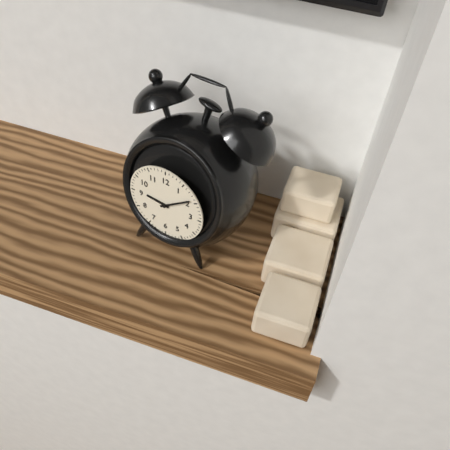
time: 9:09
